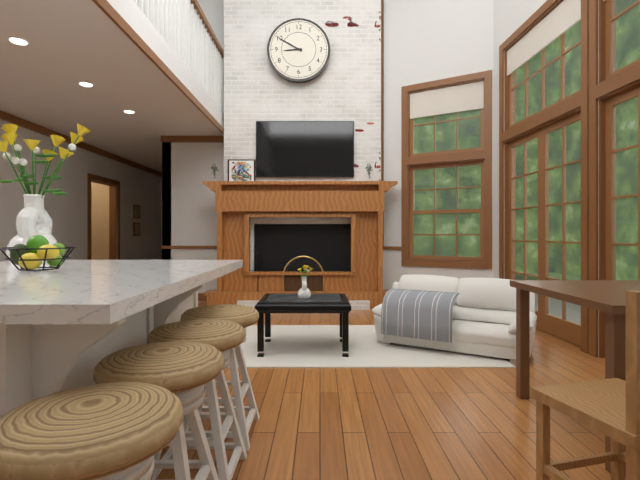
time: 8:50
